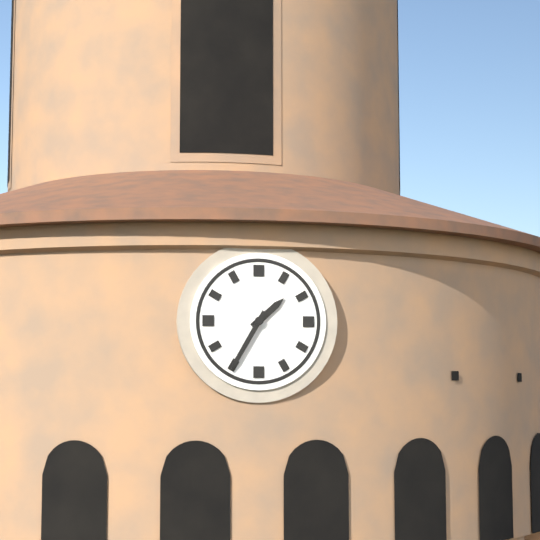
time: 1:35
